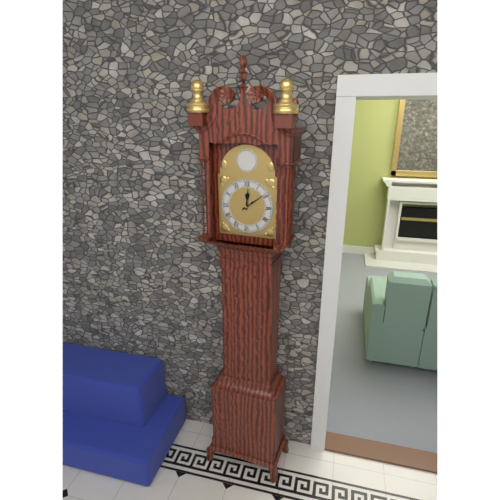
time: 12:09
